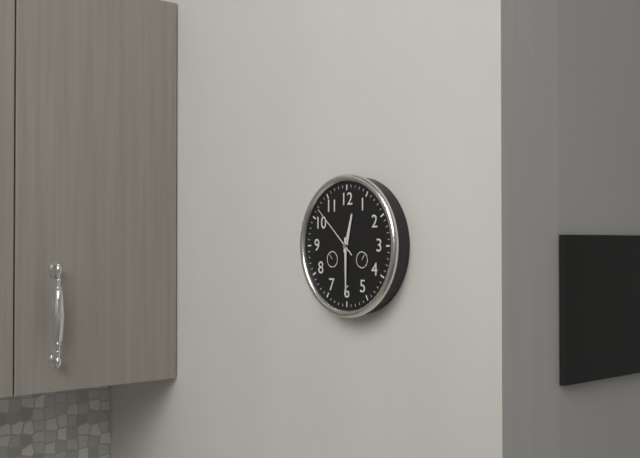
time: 12:30:52
